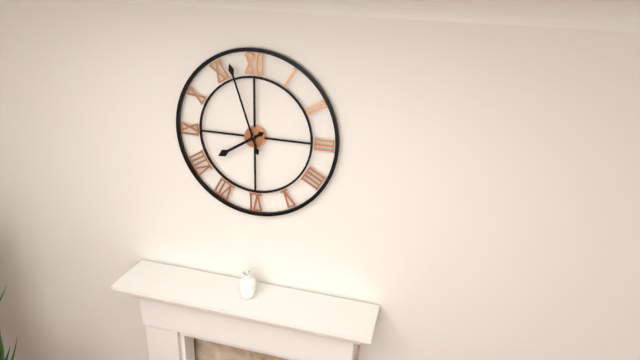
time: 7:57
